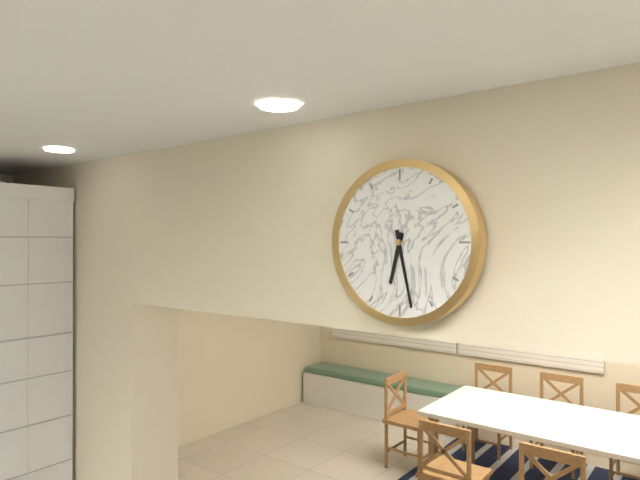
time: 6:28
